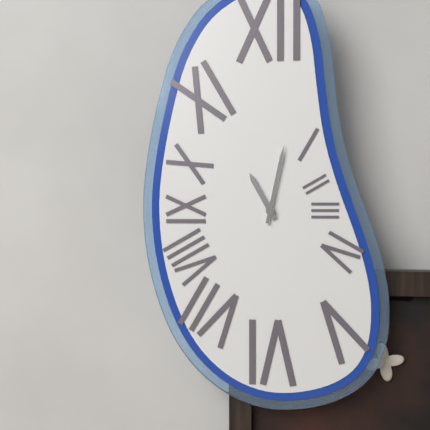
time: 11:02
